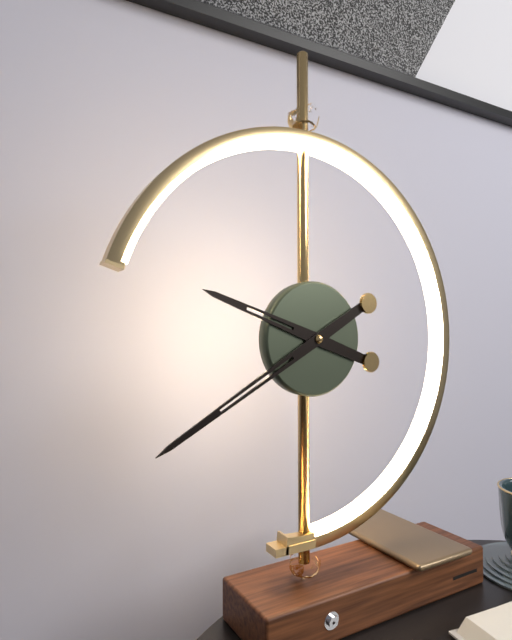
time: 9:40
